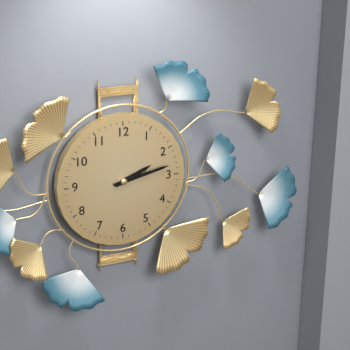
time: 2:13
